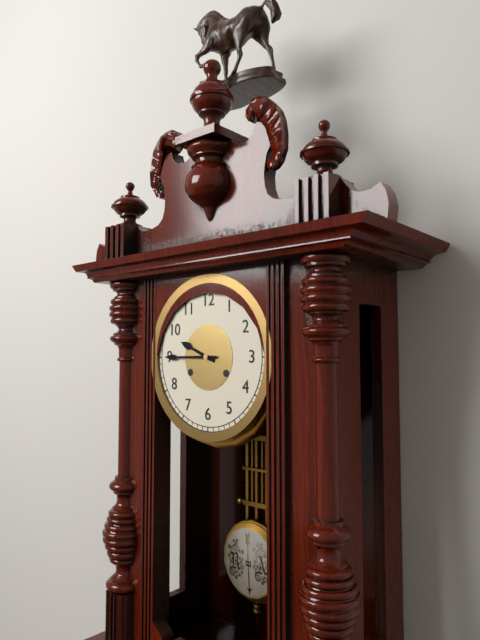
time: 9:45
